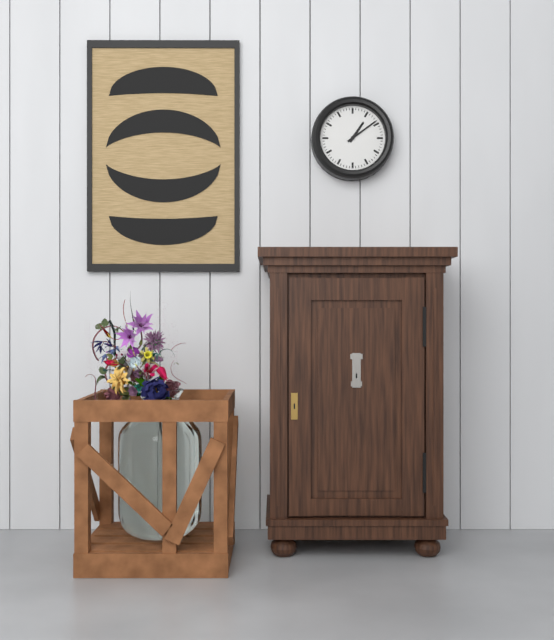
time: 1:09
